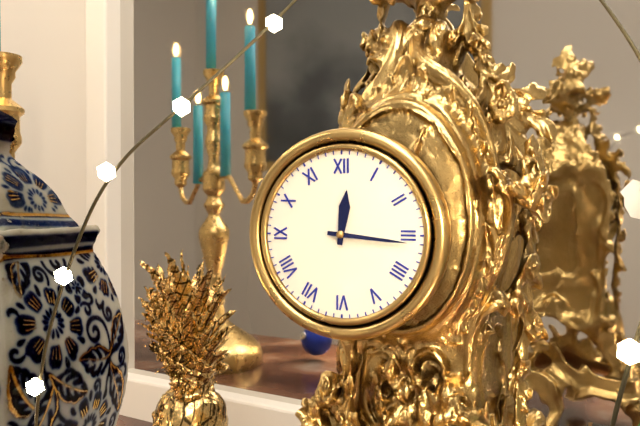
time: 12:16
